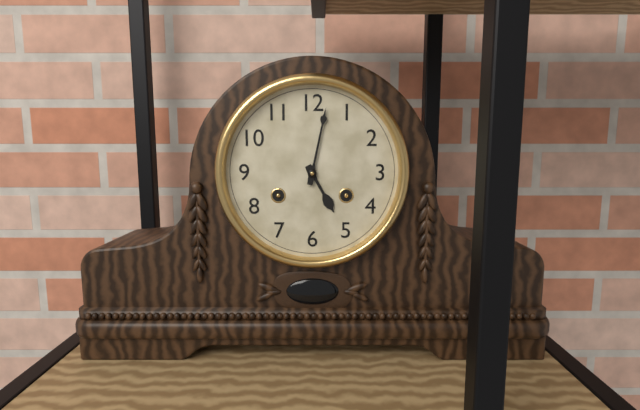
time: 5:02
